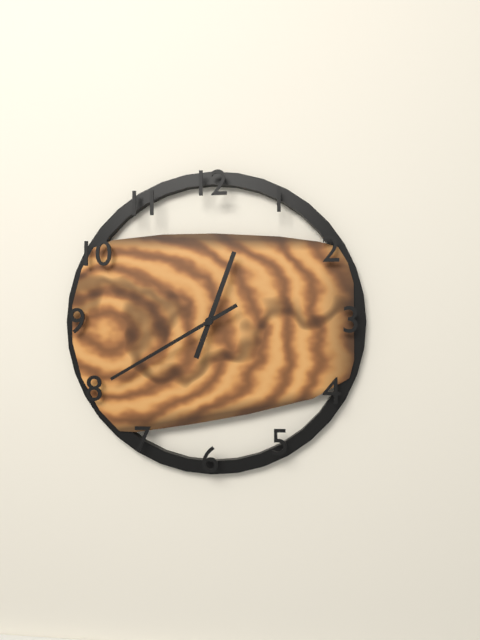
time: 12:40
